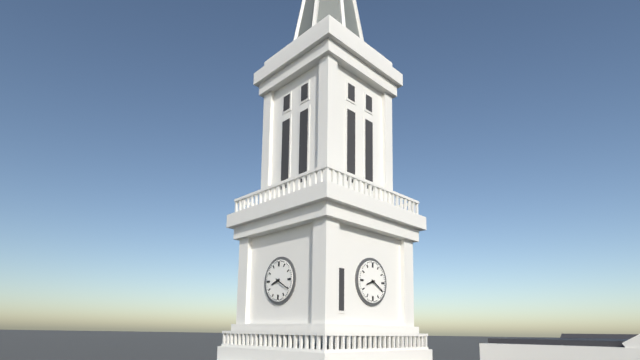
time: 8:20
